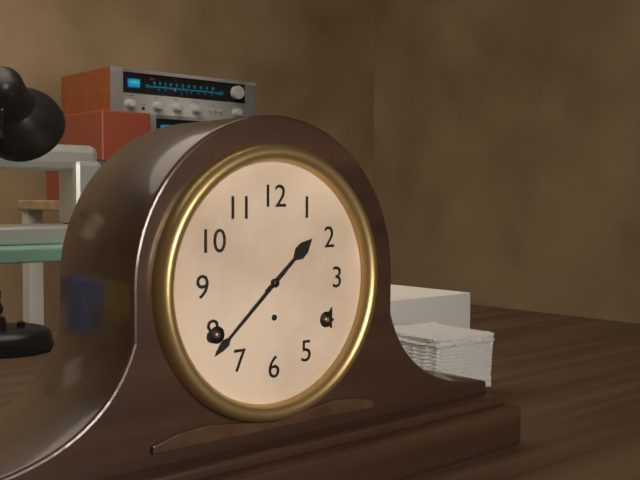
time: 1:38
